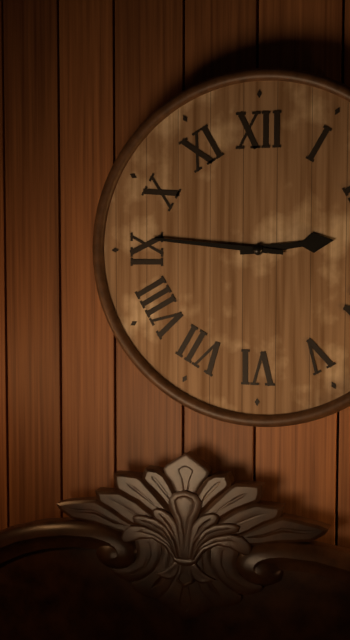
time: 2:46
